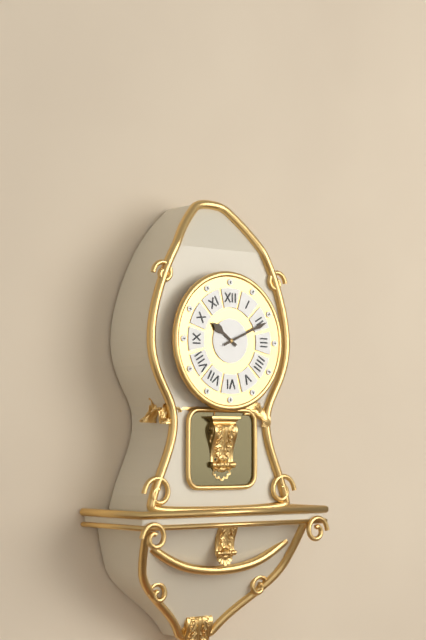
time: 10:11
